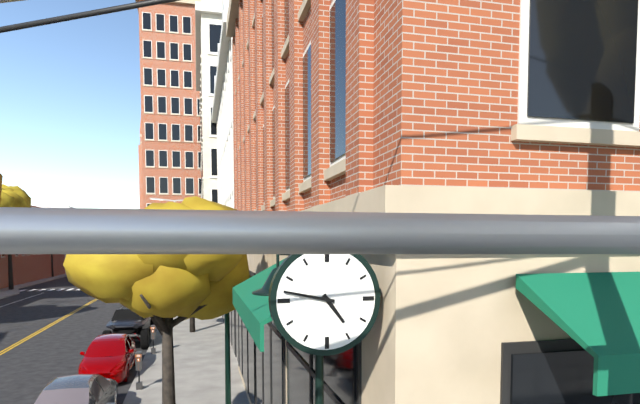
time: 4:47
